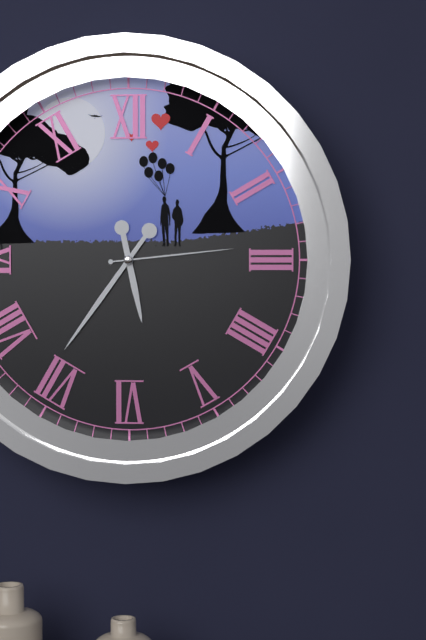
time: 5:36:14
